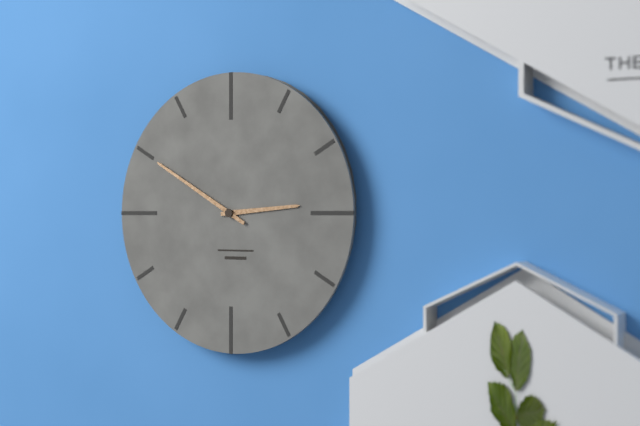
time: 2:50
